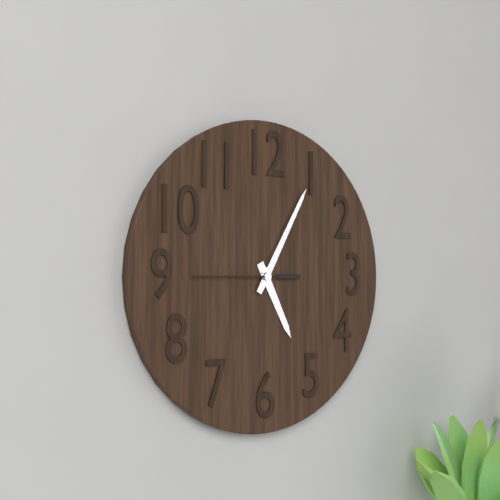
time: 5:05:45
